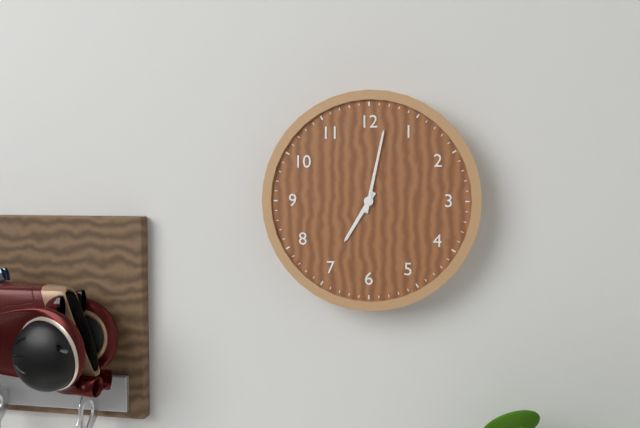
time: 7:02
